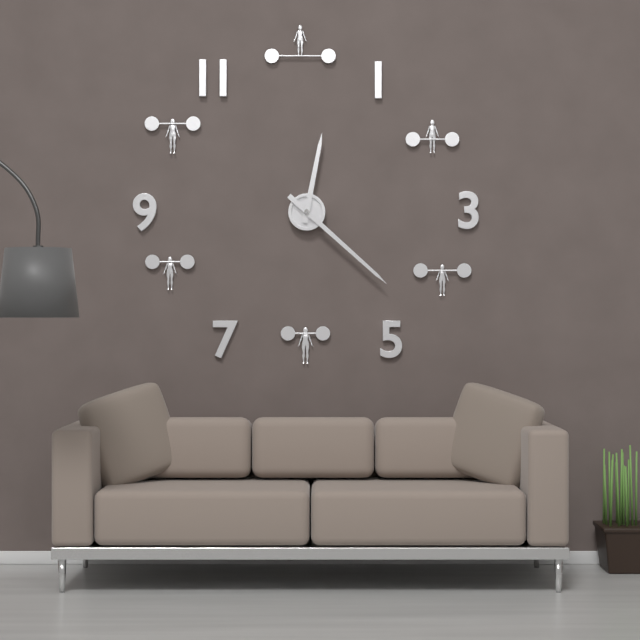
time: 12:22
